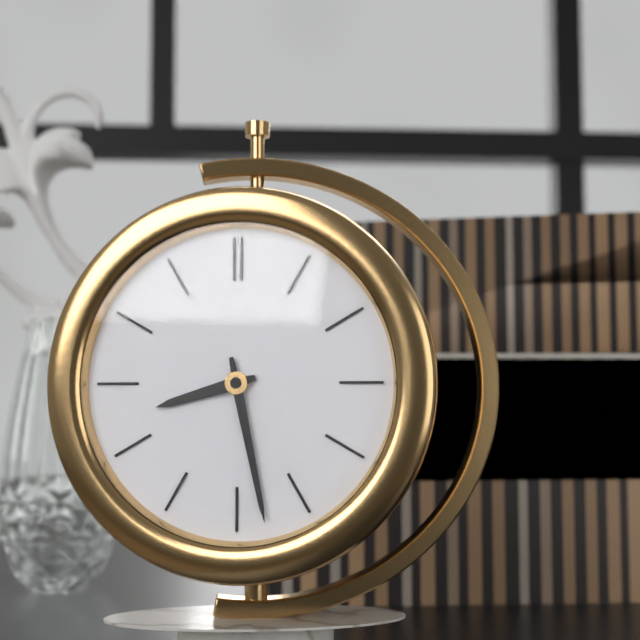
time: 8:28
